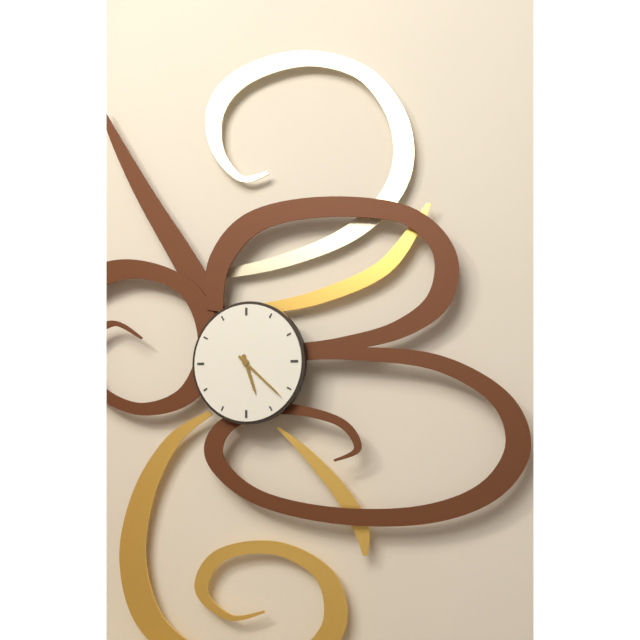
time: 5:22
